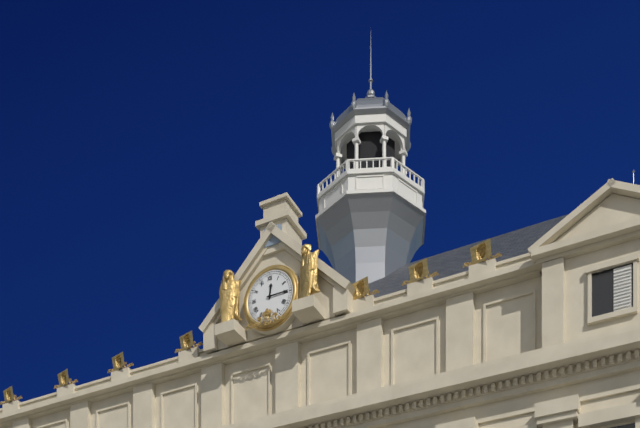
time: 12:15
